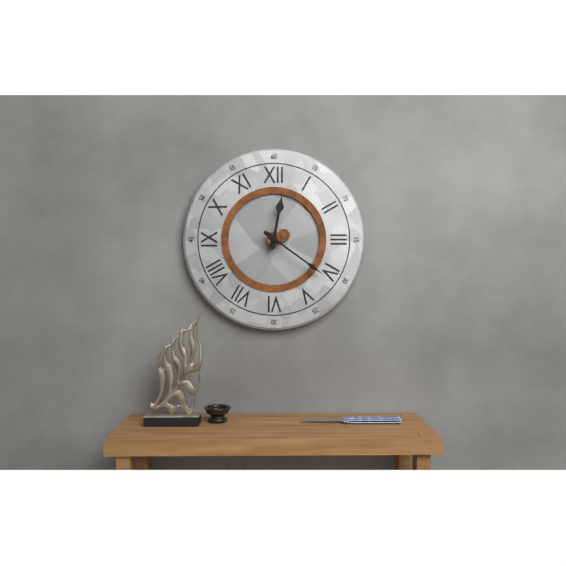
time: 12:21
